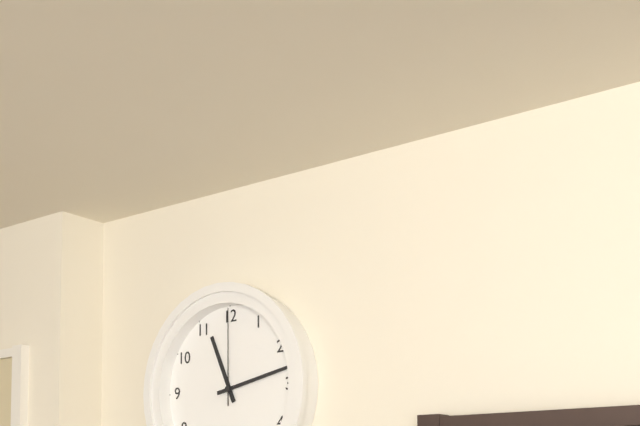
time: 11:13:00
